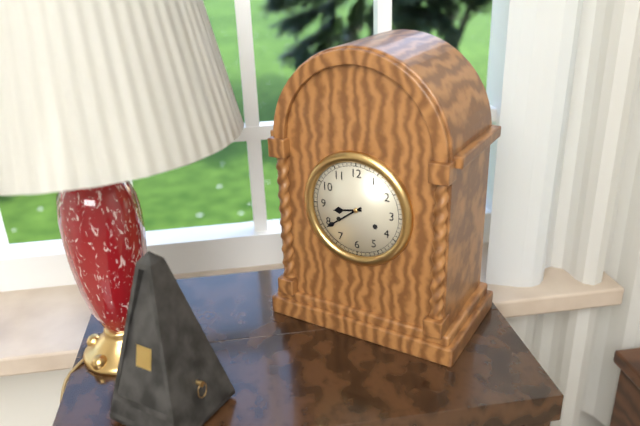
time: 8:39
